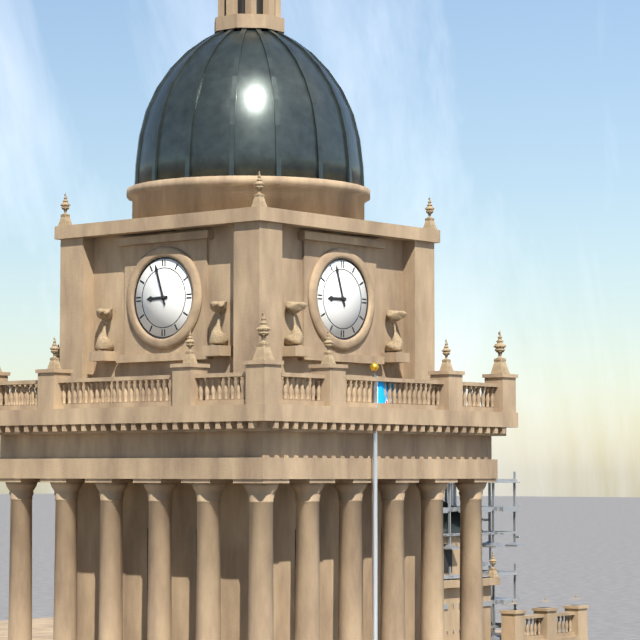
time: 8:57
